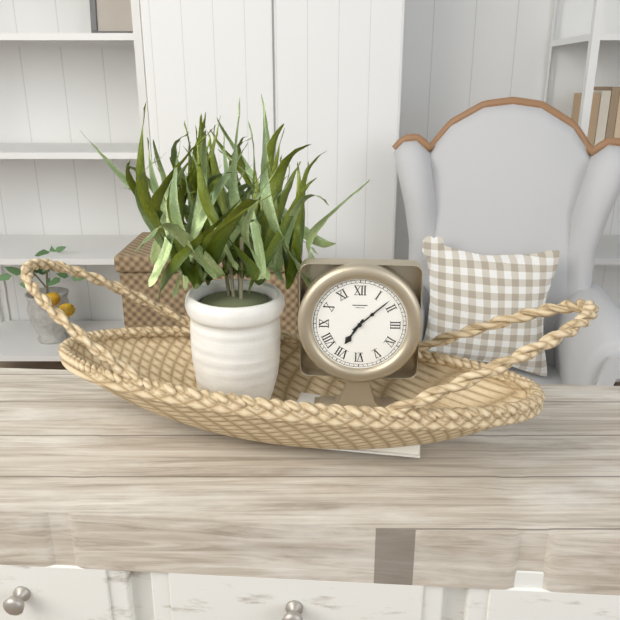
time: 7:08
